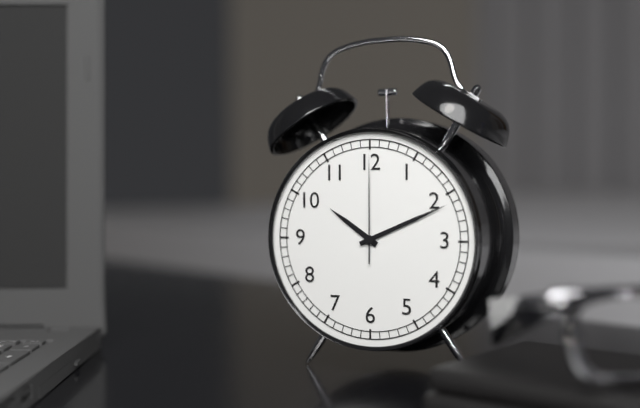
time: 10:11:00
